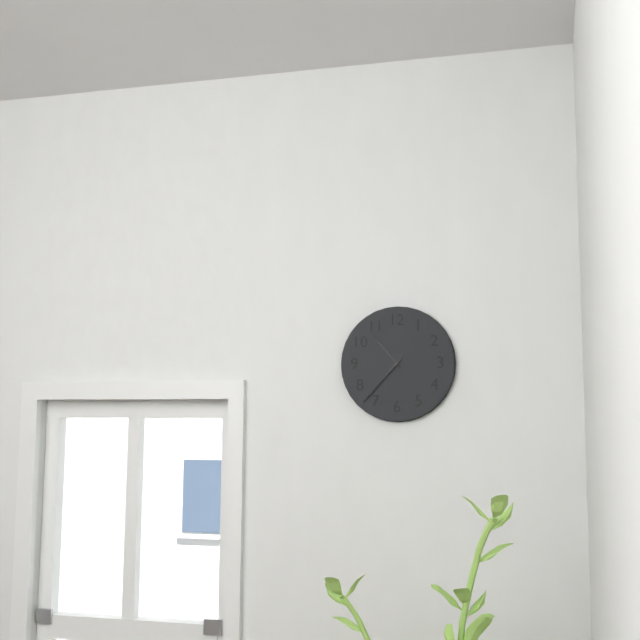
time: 10:37
